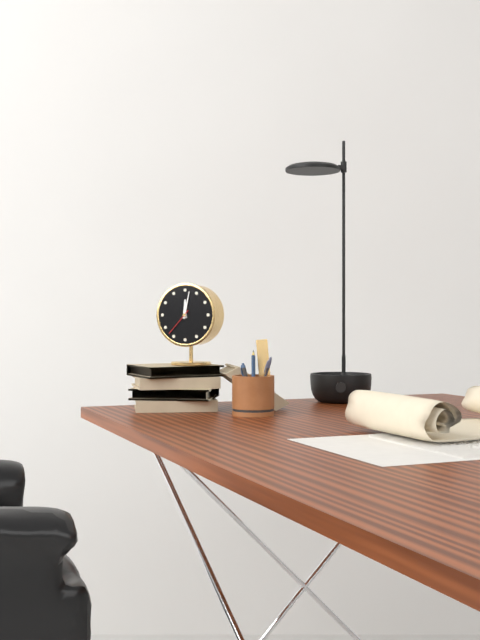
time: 12:02
